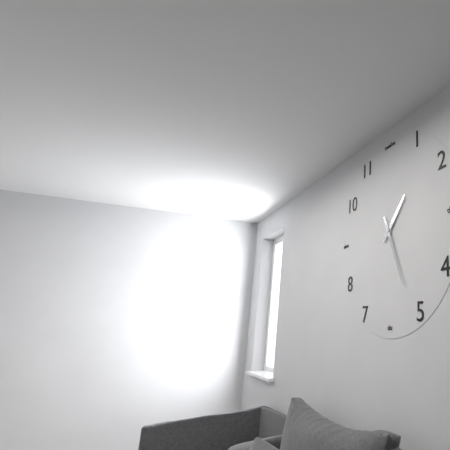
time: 1:26
